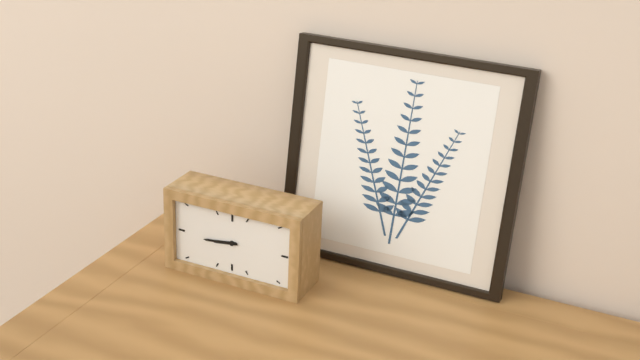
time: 8:44
